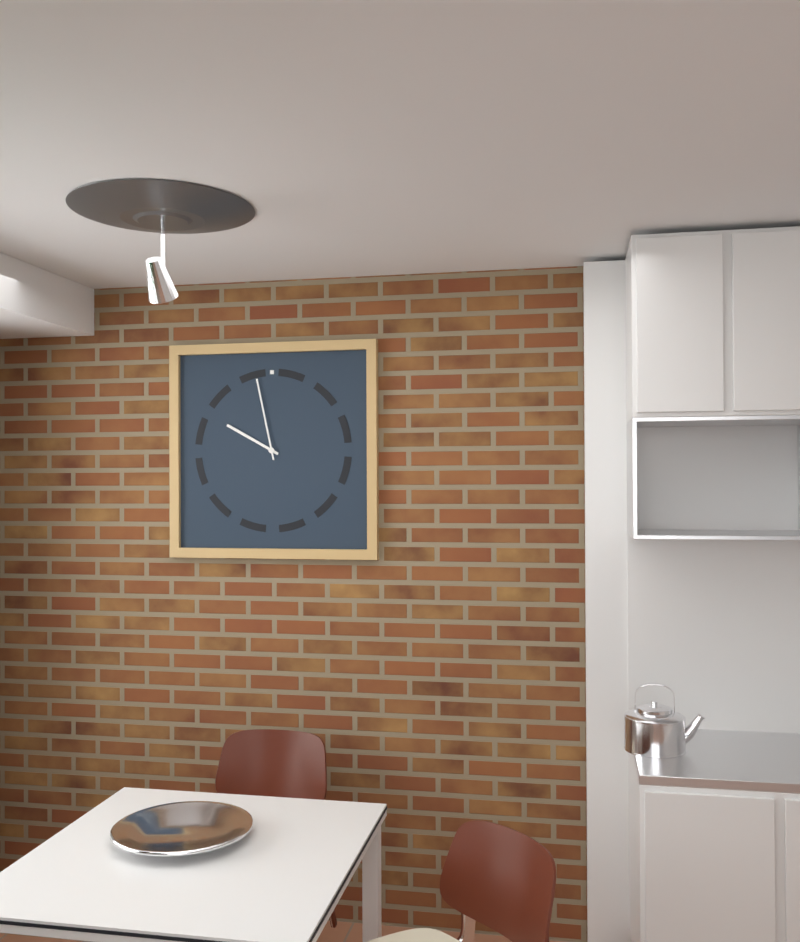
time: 9:58
